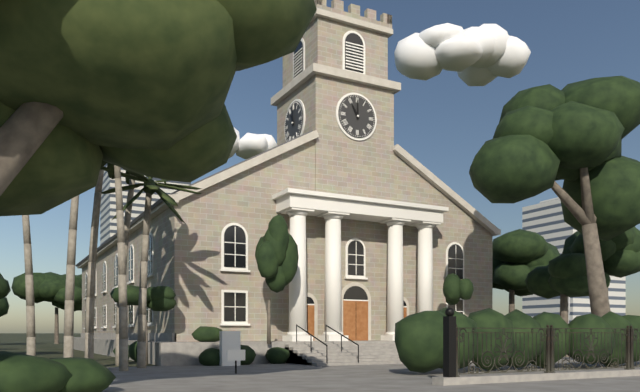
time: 11:00
